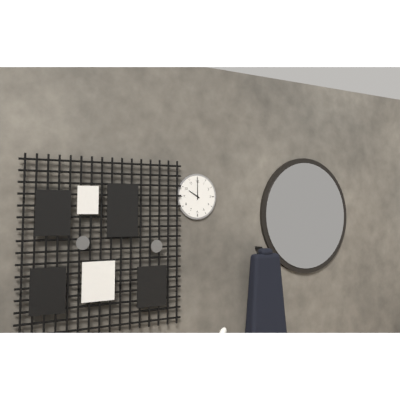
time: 10:00
